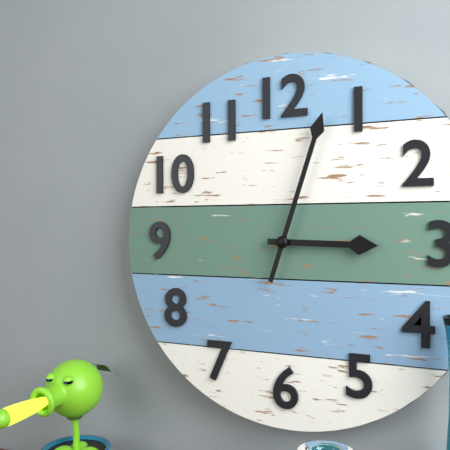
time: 3:03
